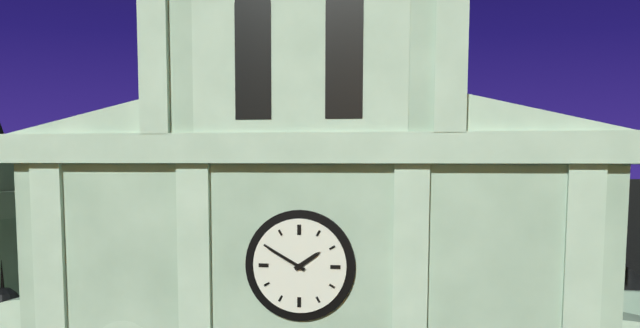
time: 1:50
